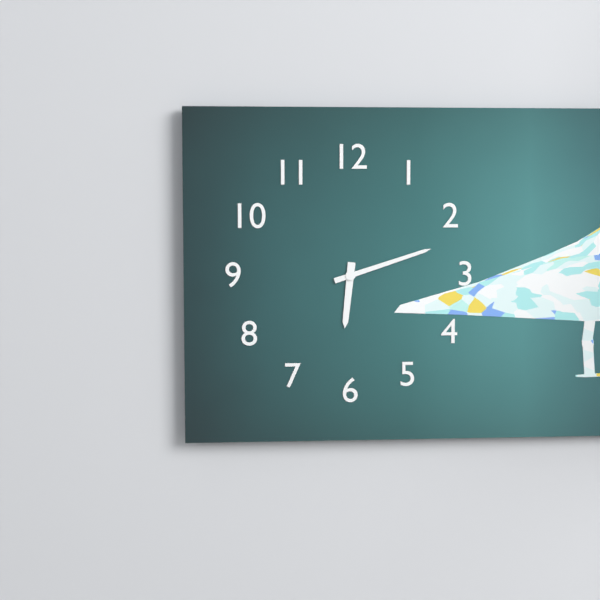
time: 6:12
